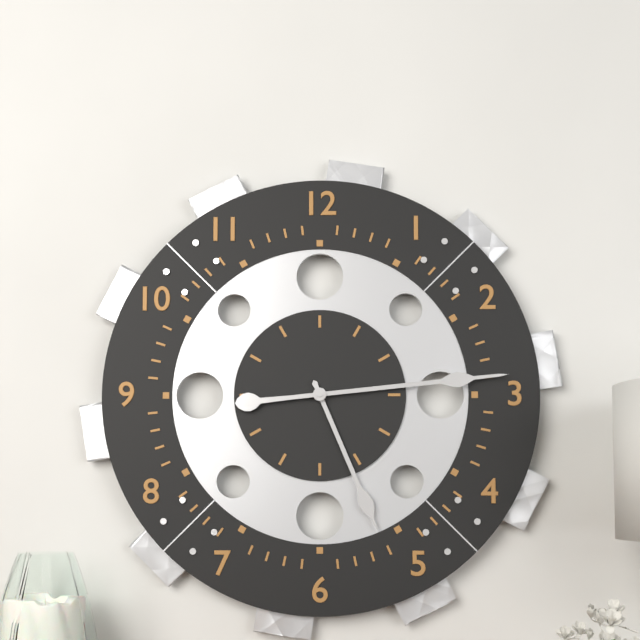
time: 5:14
